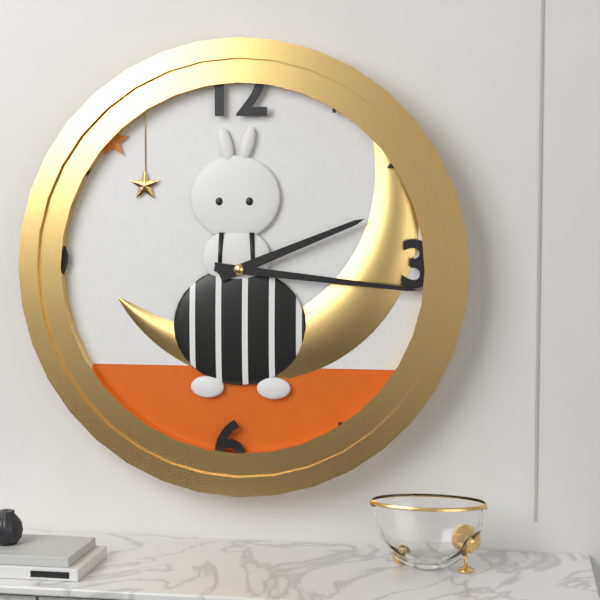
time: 2:16
